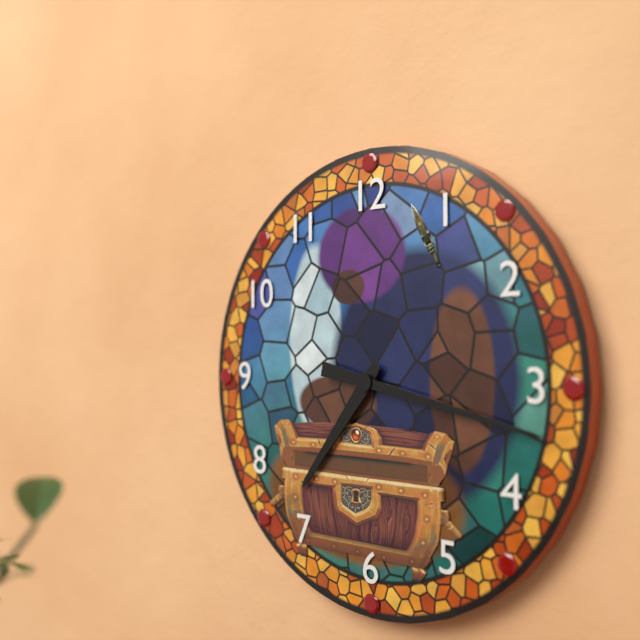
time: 7:17
